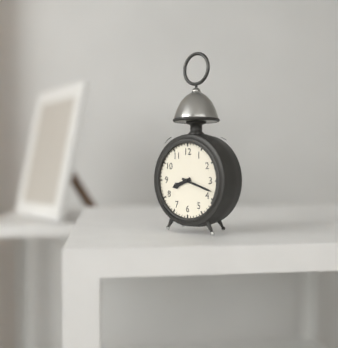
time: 8:18
